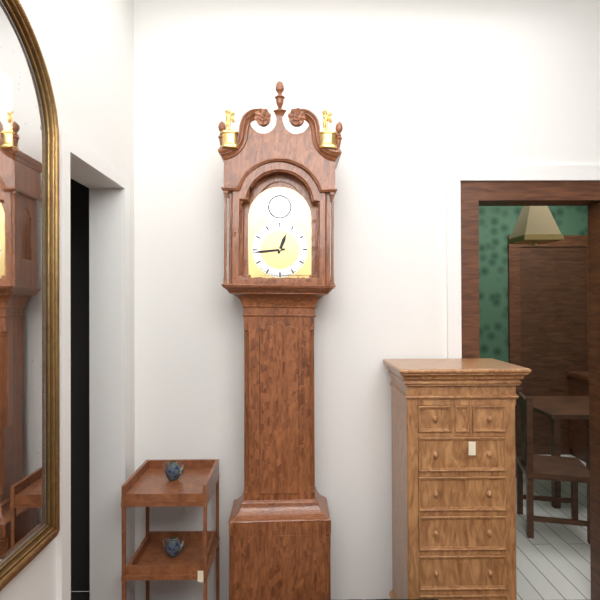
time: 12:44
